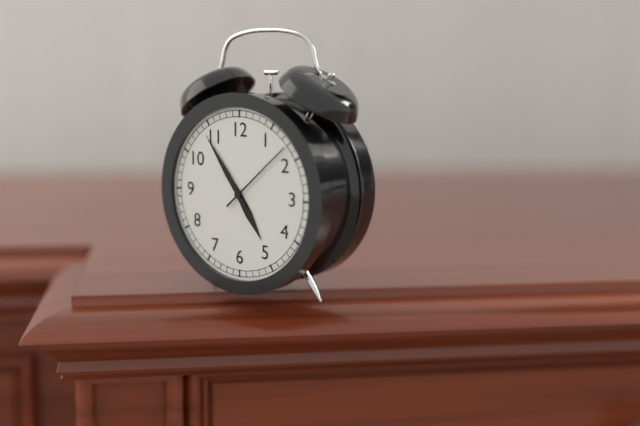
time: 4:54:08
